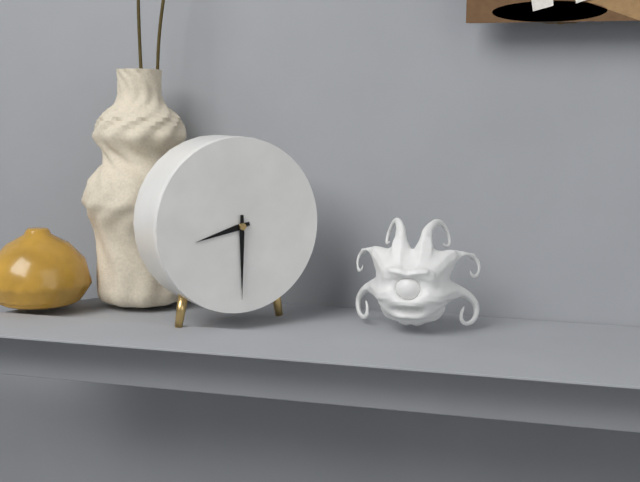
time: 8:30
